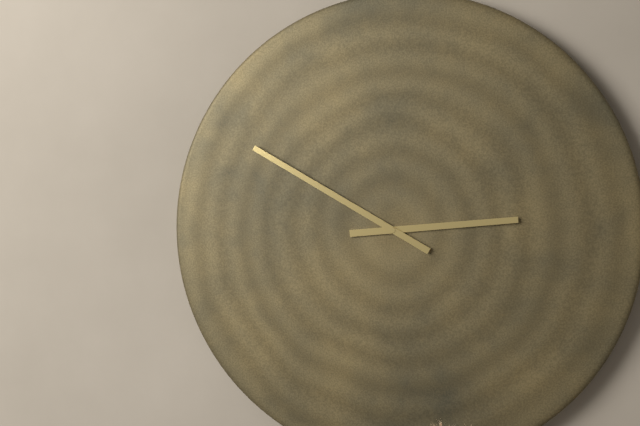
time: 2:50
